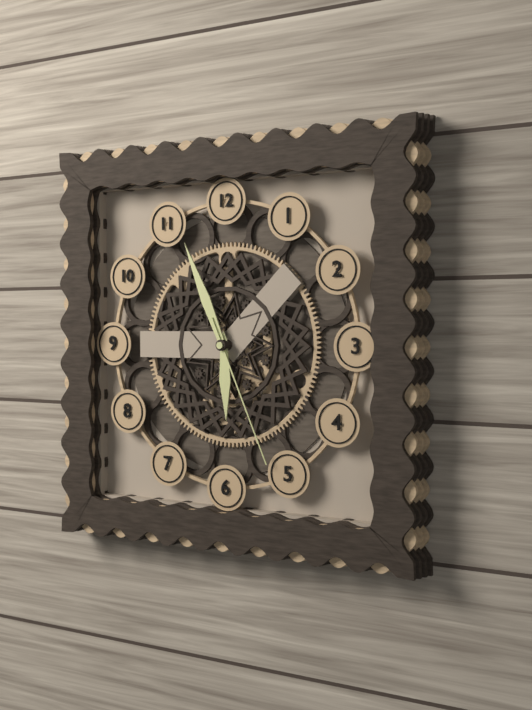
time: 5:56:26
